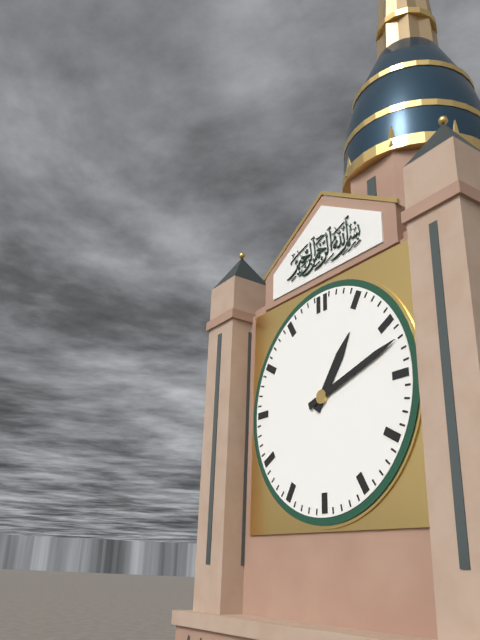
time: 1:12
